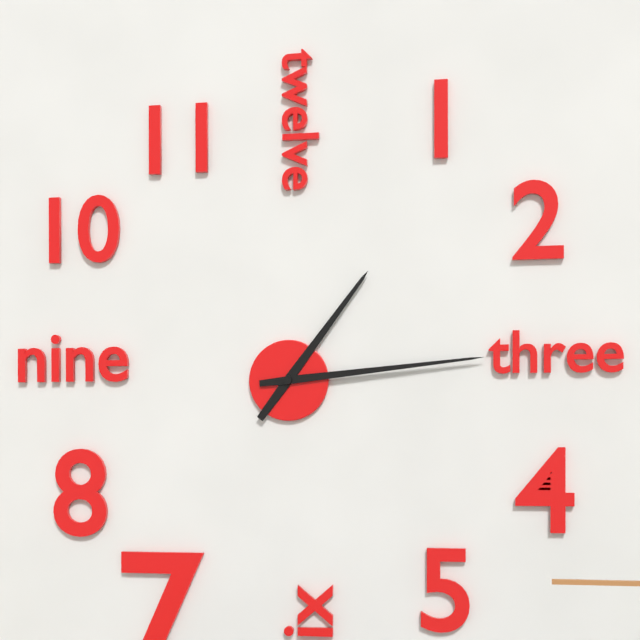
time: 1:14
